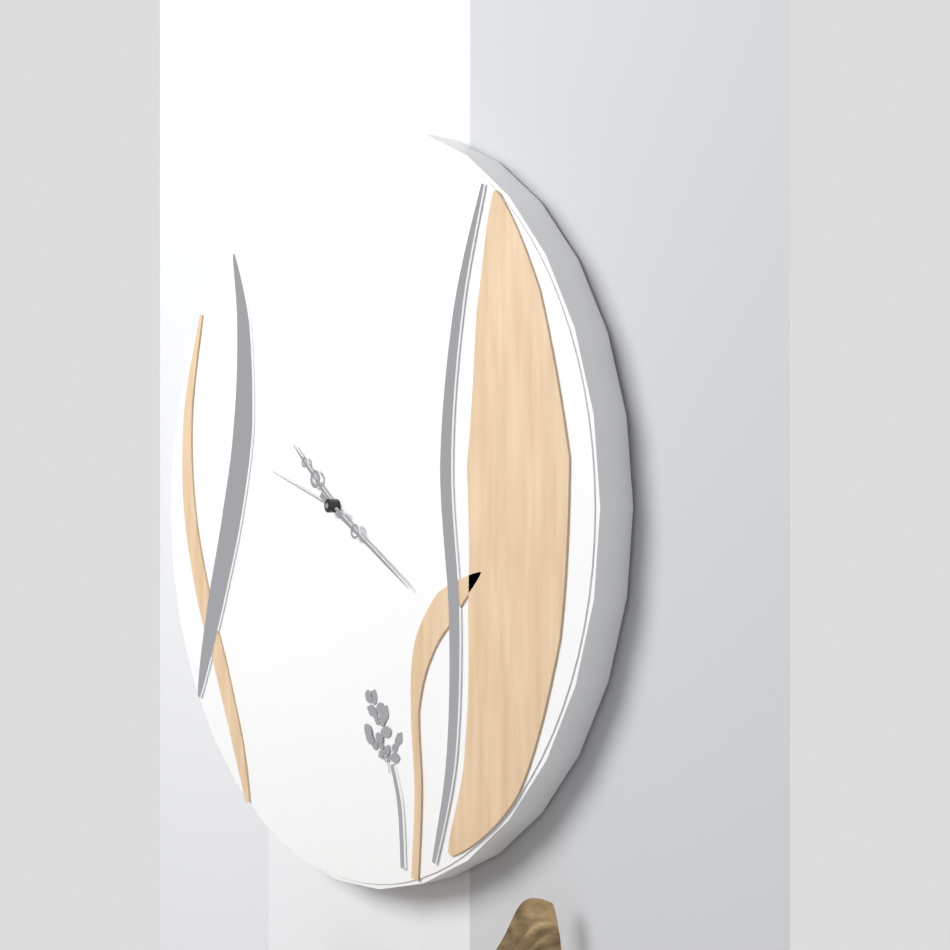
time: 10:20:48
